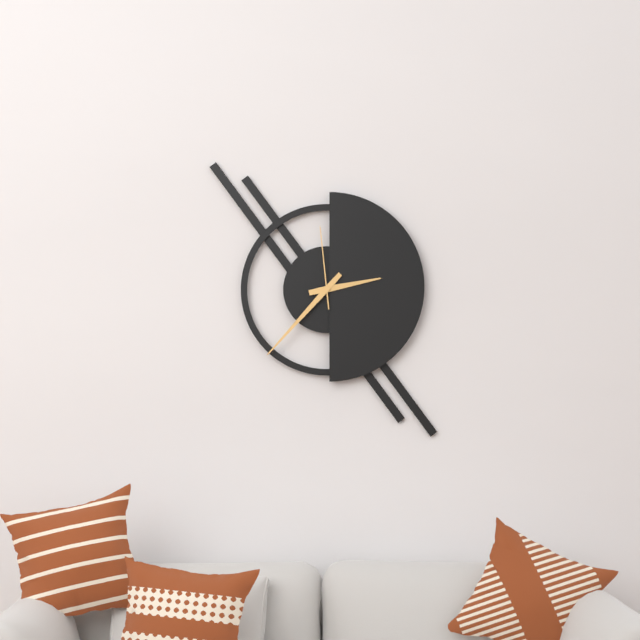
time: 2:37:59
